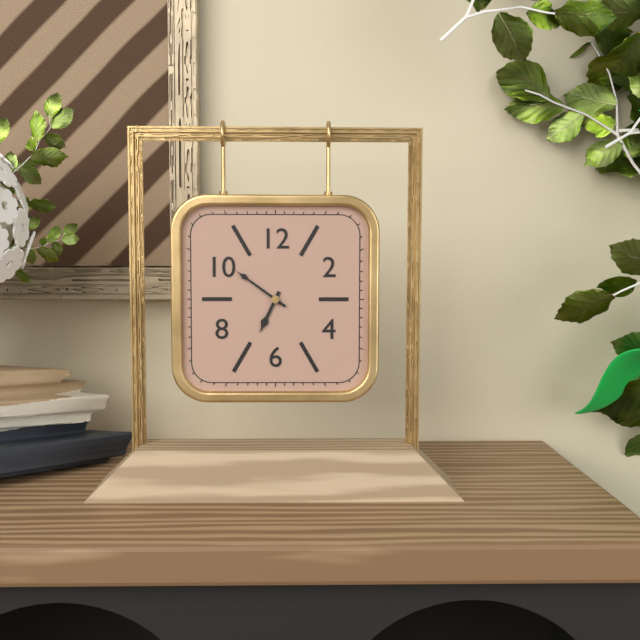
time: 6:51
